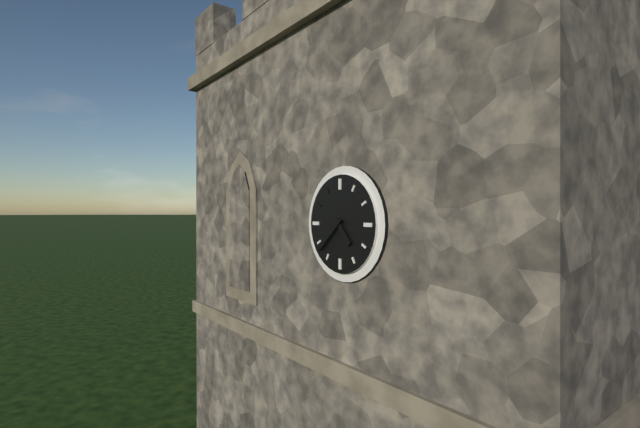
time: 4:38
